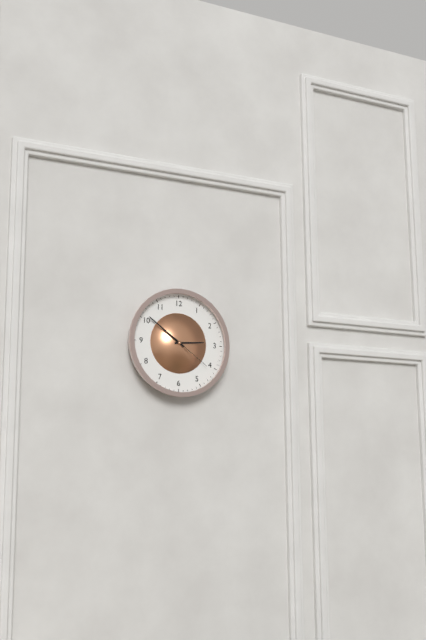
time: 2:51
